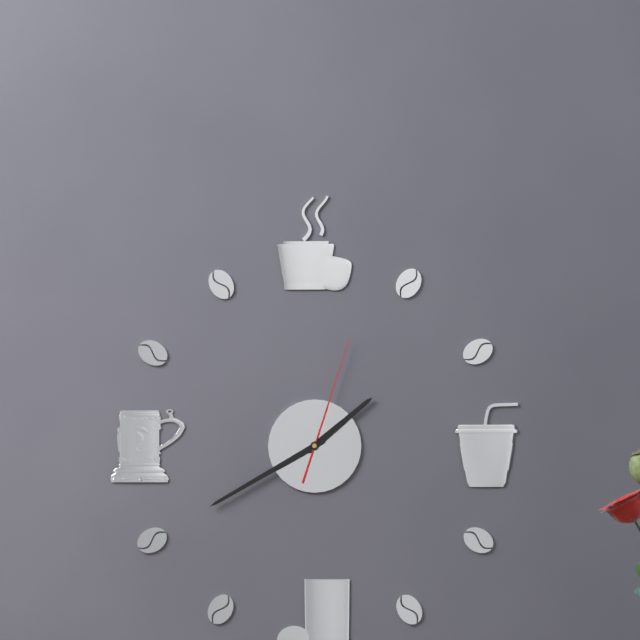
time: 1:40:03
